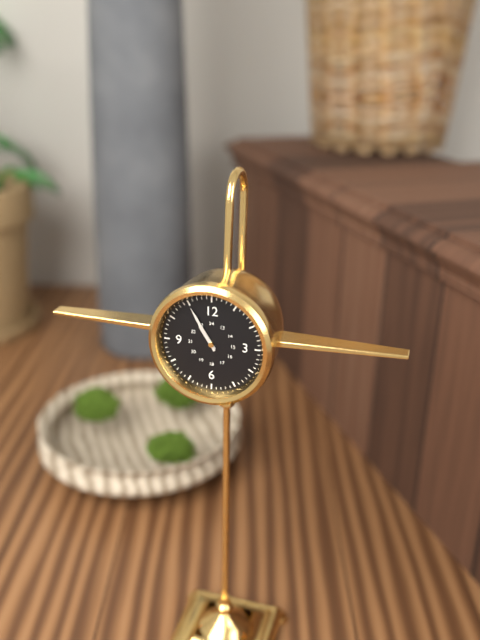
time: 10:55
